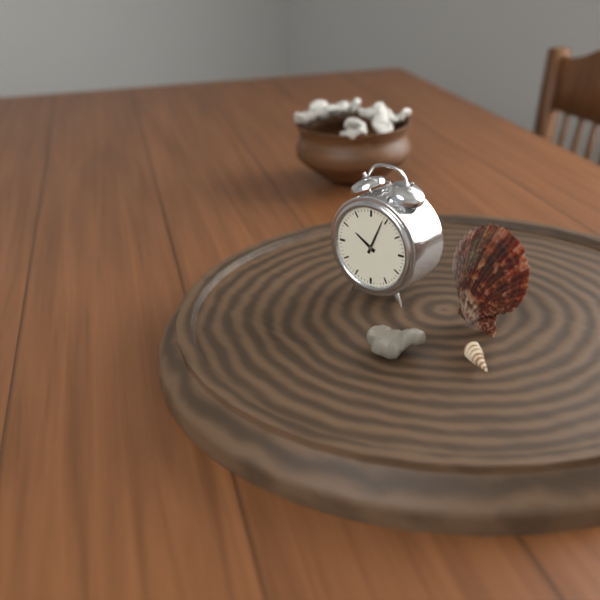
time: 10:04
